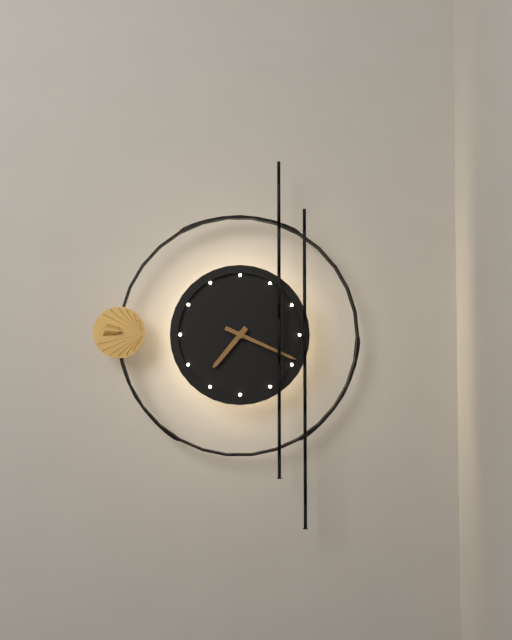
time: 7:19
